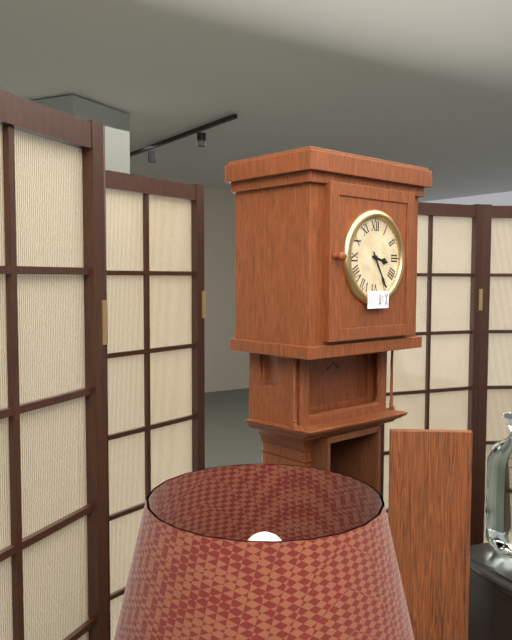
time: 3:25
